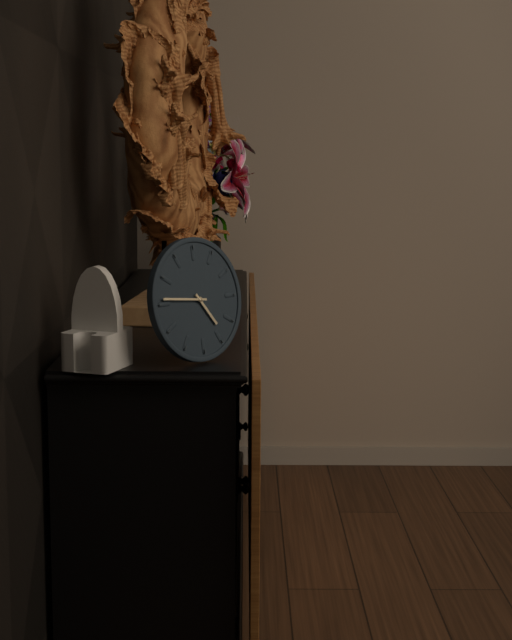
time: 4:46
